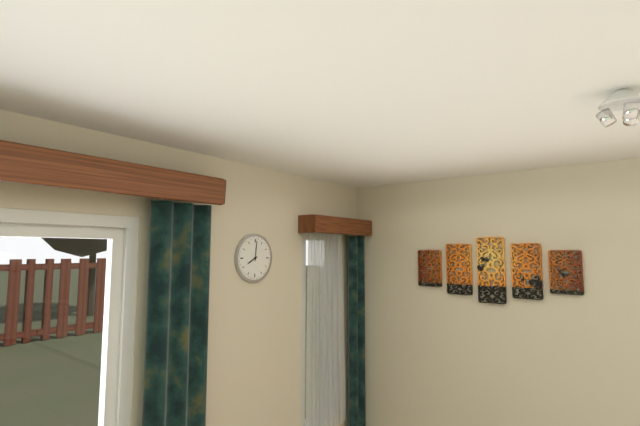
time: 8:01
